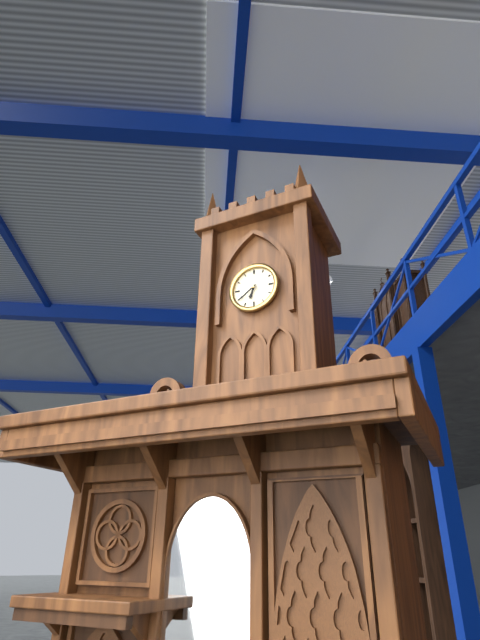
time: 6:39
